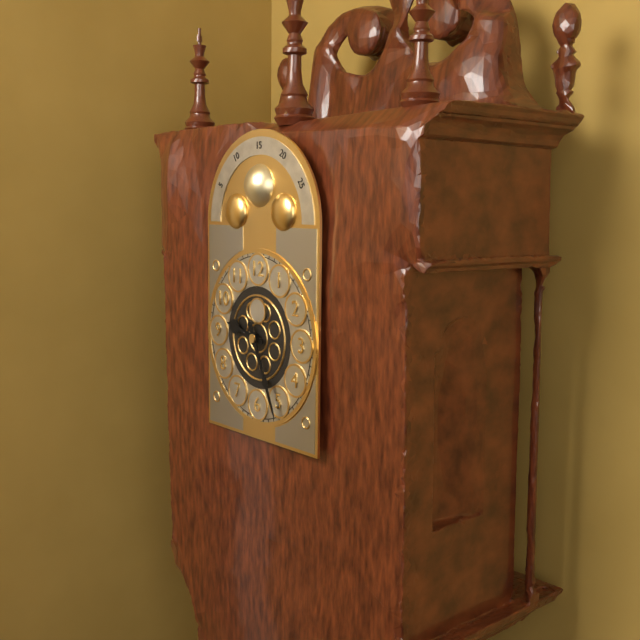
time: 9:26
